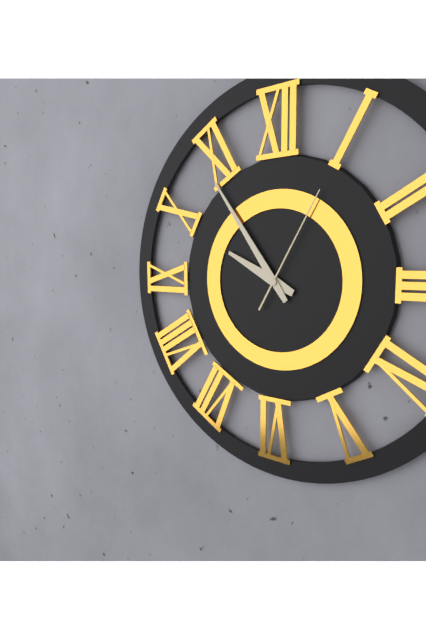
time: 9:54:05
